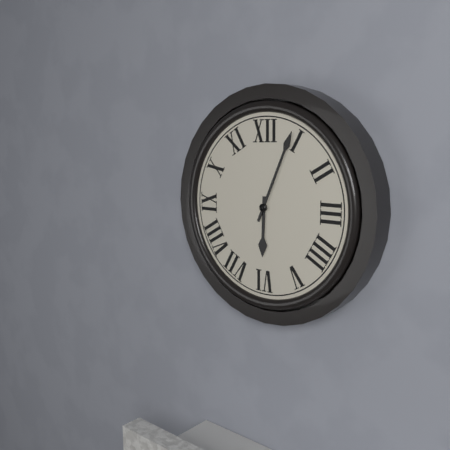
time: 6:04
